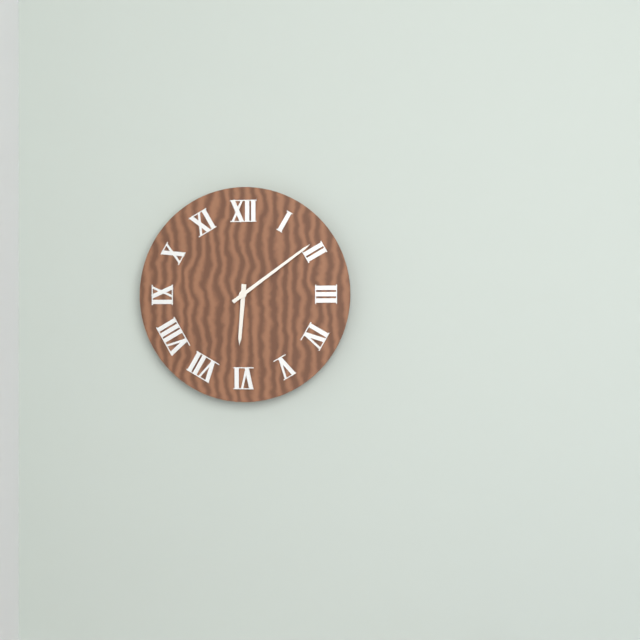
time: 6:09
